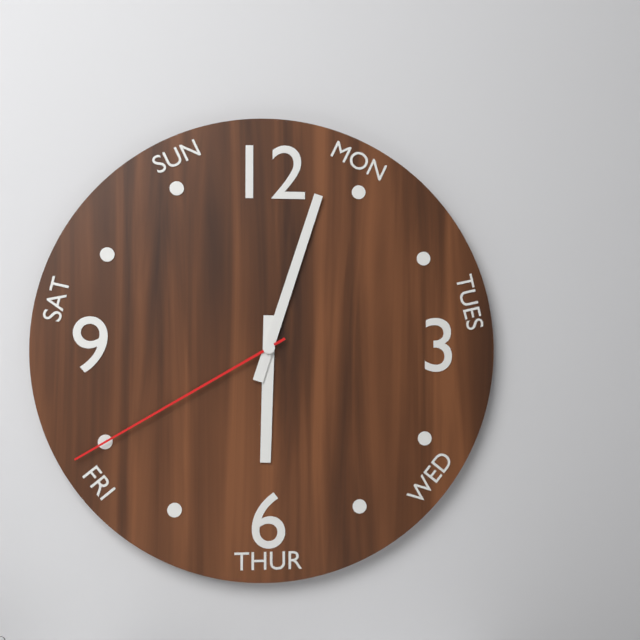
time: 6:03:40
